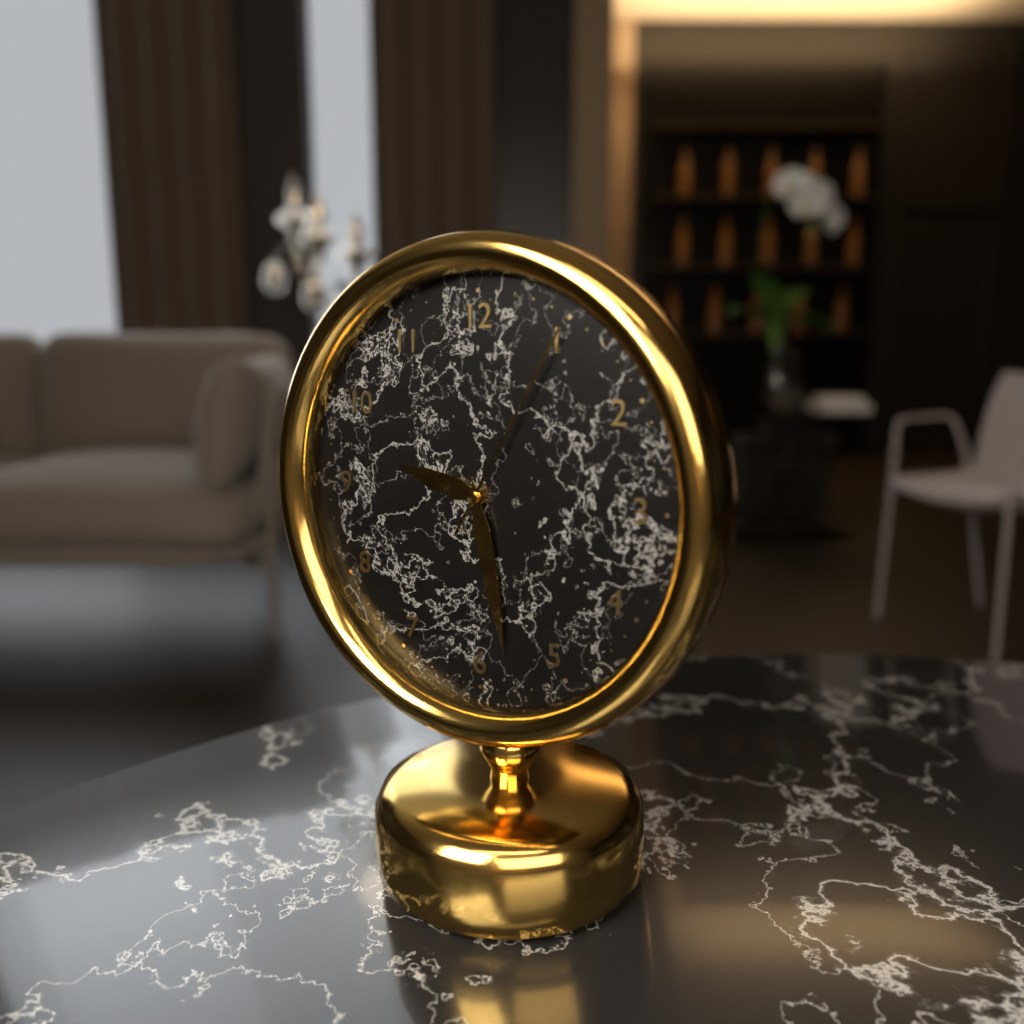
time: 9:28:05
